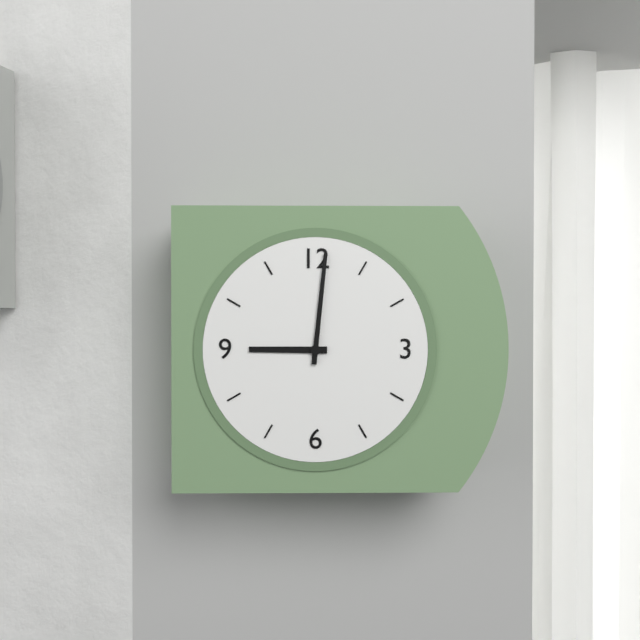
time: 9:01
